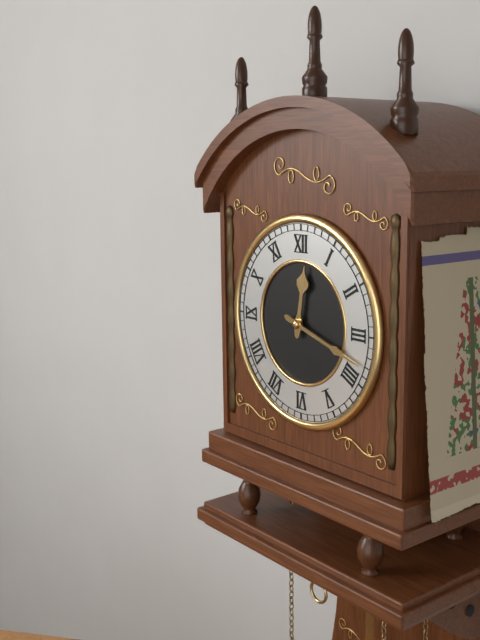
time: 12:18
